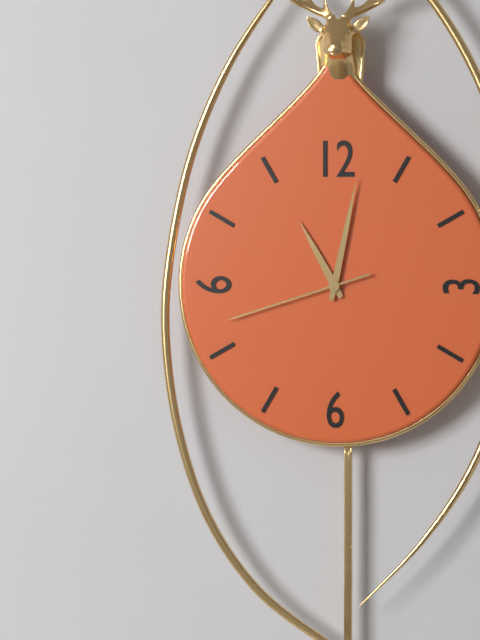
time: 11:02:42
